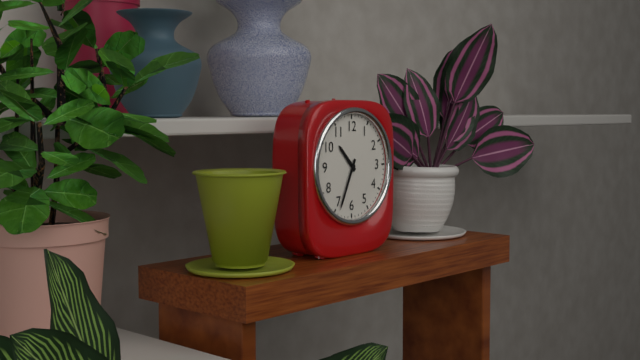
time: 10:34
